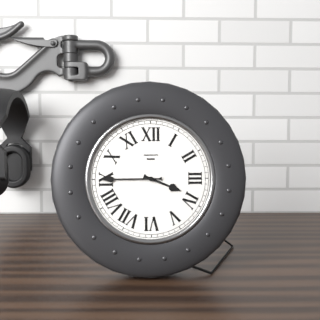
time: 3:45
